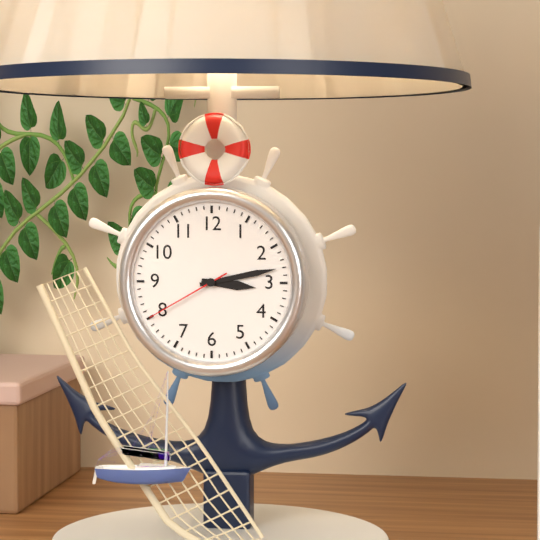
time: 3:13:40
